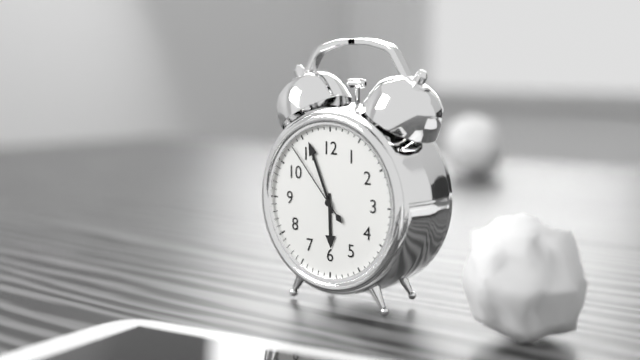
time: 5:56:53
